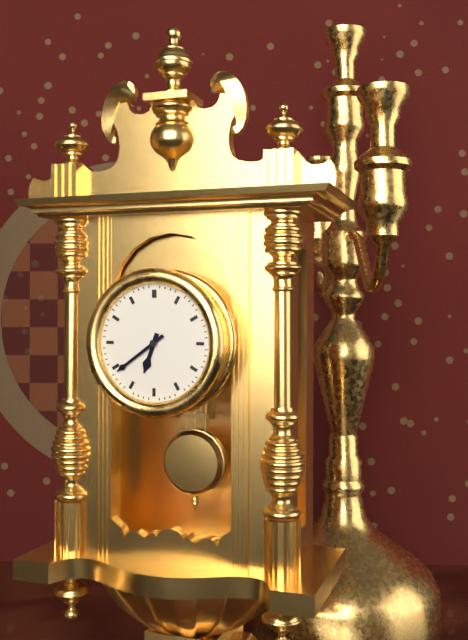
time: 6:39
